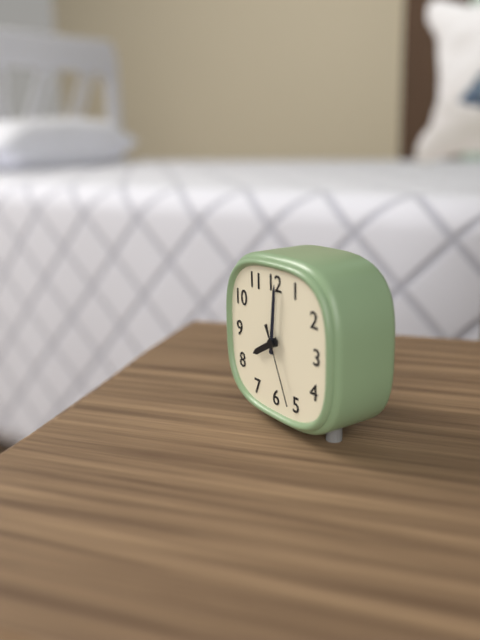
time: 8:01:26
